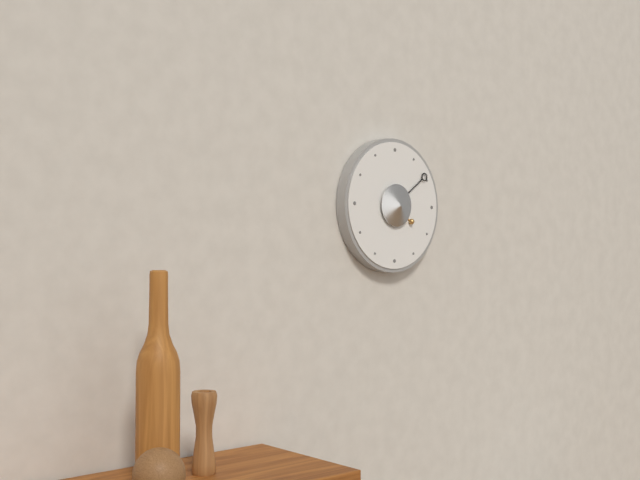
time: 4:09
